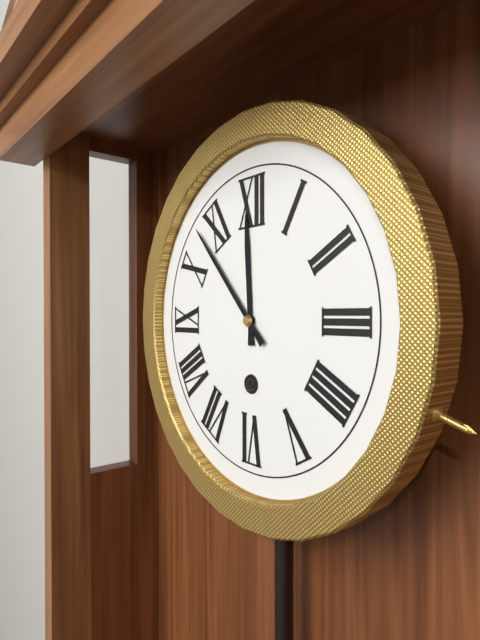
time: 11:53
